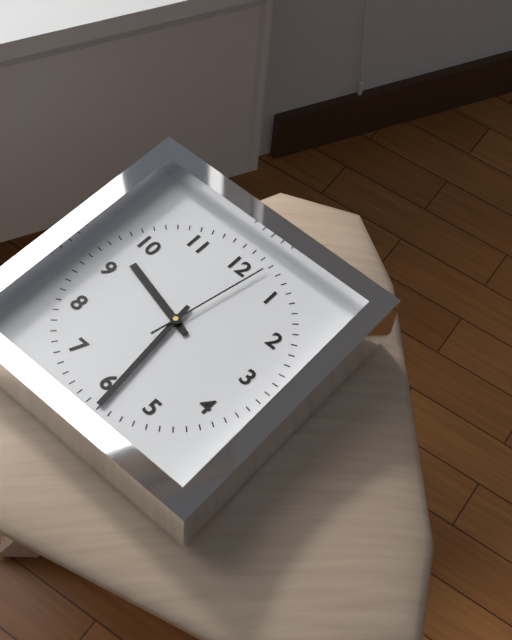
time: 9:29:02
